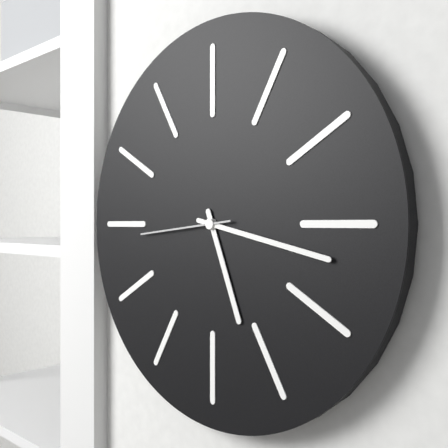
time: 5:17:44
